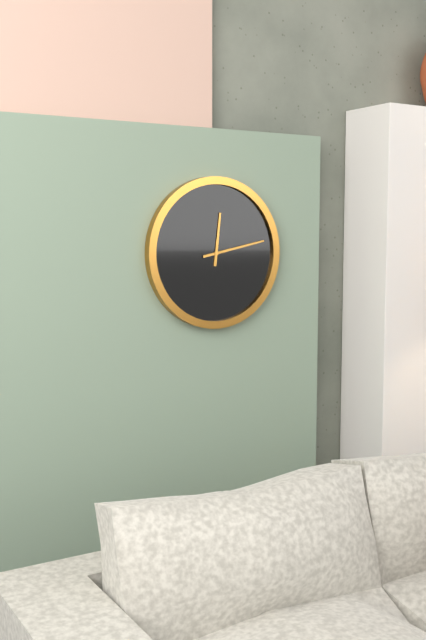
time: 12:13
